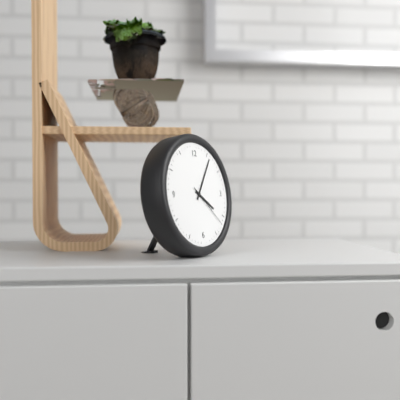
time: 4:06
